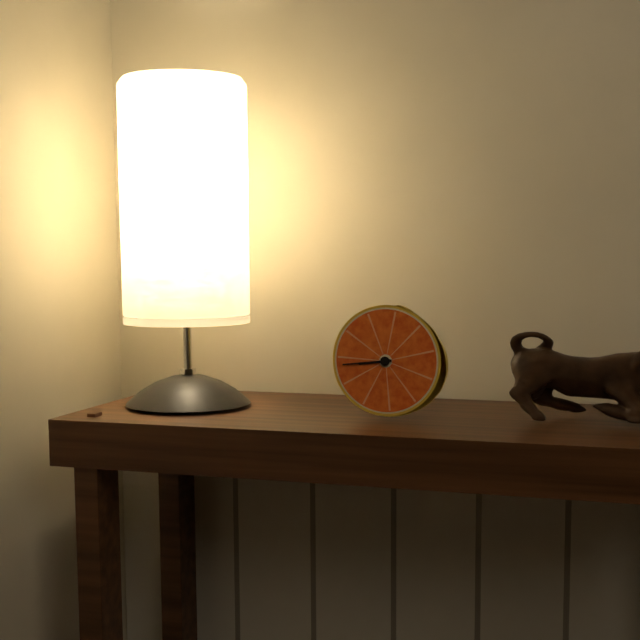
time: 8:44
